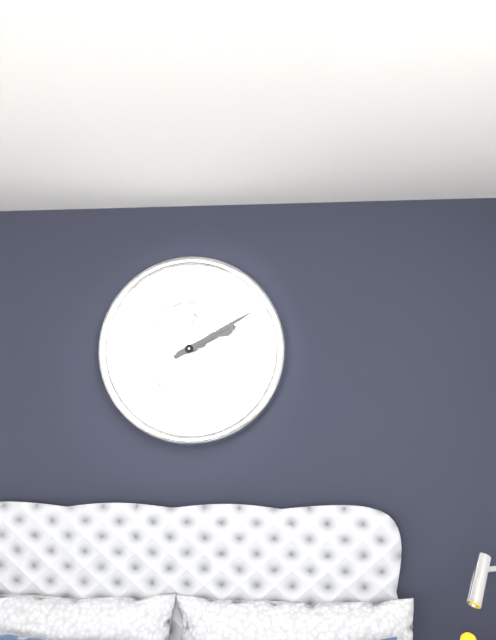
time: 2:10
